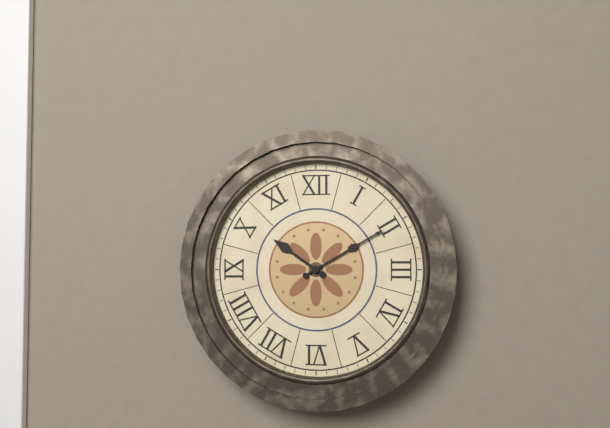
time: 10:10
